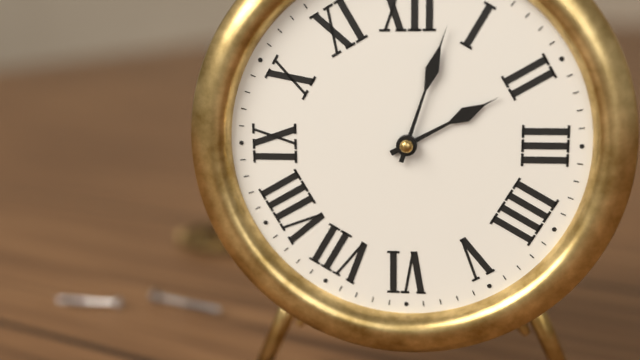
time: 2:03
